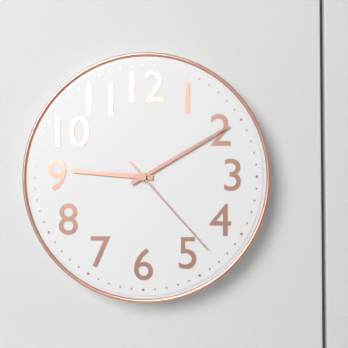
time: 9:10:23
